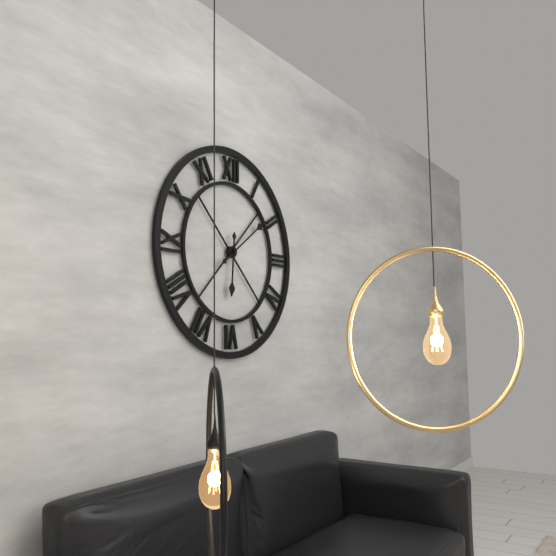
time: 6:09
